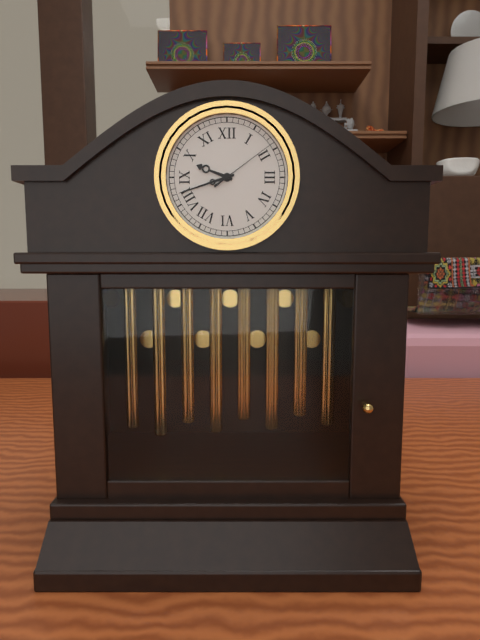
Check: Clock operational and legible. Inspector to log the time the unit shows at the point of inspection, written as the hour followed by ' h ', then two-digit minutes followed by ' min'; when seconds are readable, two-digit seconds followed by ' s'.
9 h 42 min 09 s
